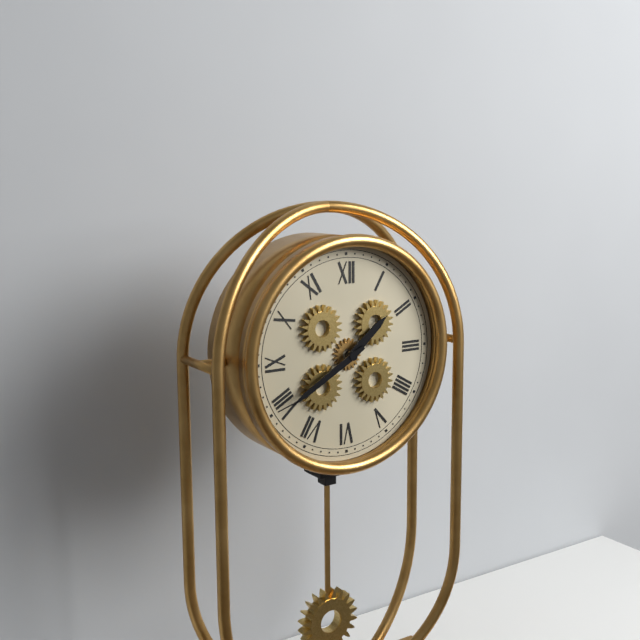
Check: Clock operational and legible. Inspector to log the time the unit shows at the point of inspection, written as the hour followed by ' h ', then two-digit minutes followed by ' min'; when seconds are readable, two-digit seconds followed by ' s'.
1 h 40 min
